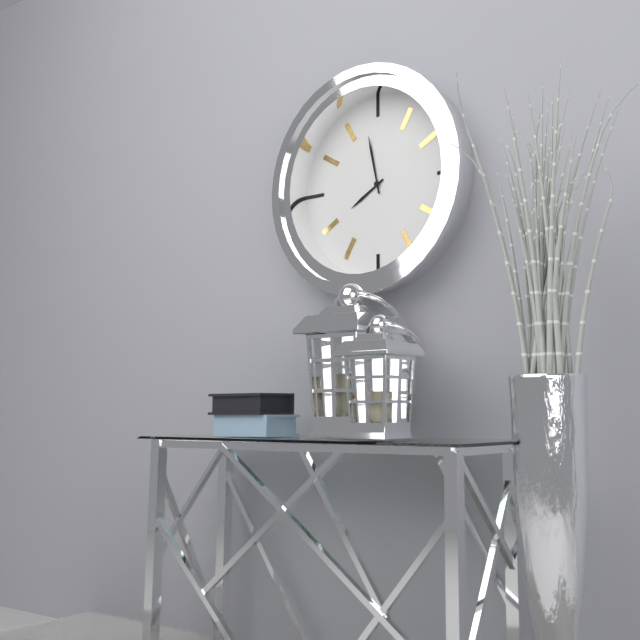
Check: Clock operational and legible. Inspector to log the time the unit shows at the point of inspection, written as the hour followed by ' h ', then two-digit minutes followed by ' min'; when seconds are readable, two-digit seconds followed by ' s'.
7 h 58 min
